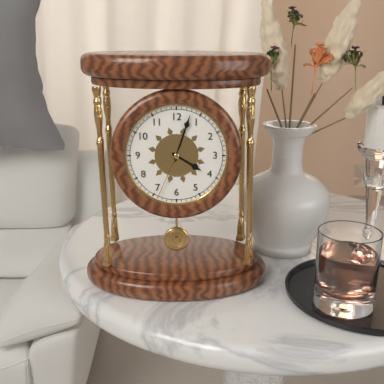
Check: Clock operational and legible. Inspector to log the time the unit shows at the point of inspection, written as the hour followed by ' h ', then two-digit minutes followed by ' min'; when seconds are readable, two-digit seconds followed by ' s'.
4 h 03 min 34 s
